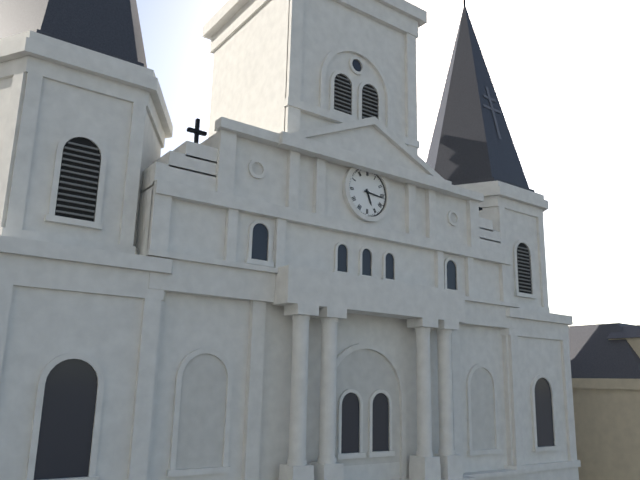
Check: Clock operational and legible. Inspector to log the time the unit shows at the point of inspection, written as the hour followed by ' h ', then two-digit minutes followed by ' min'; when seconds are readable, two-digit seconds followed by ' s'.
5 h 16 min
